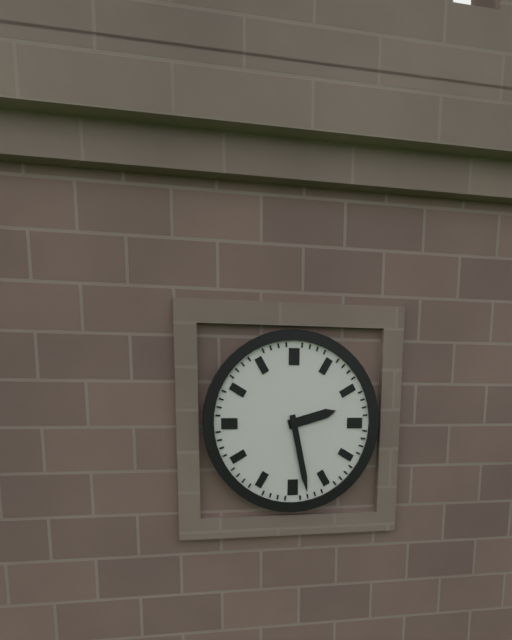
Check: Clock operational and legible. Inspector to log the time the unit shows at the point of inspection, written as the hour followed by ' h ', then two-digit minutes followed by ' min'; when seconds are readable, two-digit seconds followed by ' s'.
2 h 28 min
